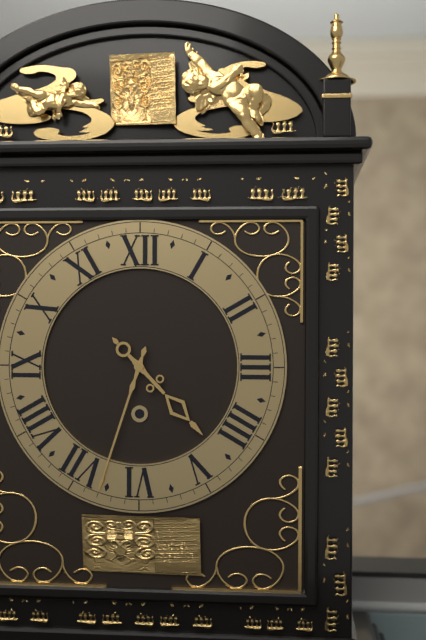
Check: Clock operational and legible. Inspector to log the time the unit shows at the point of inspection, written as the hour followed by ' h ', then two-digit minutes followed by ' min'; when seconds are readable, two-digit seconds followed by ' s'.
4 h 33 min
